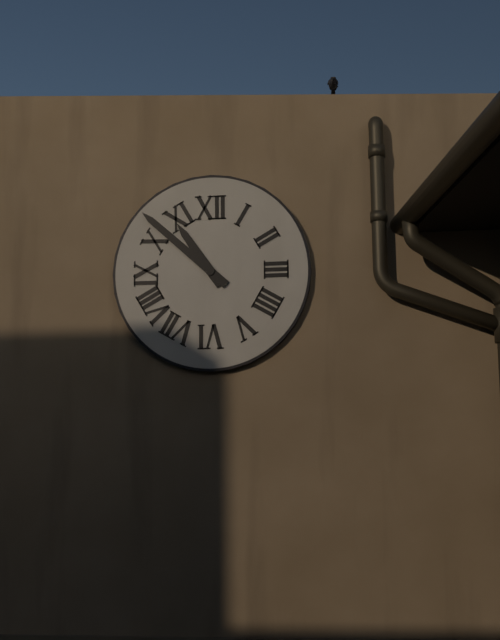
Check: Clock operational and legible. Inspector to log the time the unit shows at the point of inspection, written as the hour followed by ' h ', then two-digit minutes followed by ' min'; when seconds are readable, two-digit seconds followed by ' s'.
10 h 52 min
